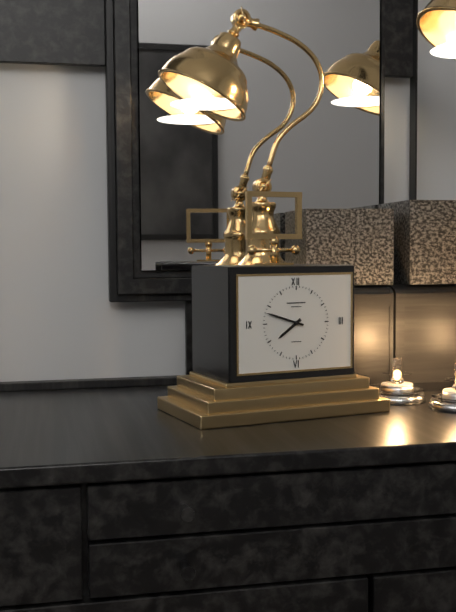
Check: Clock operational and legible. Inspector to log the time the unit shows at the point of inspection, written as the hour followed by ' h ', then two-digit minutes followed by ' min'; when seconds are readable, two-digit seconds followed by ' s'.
7 h 48 min
